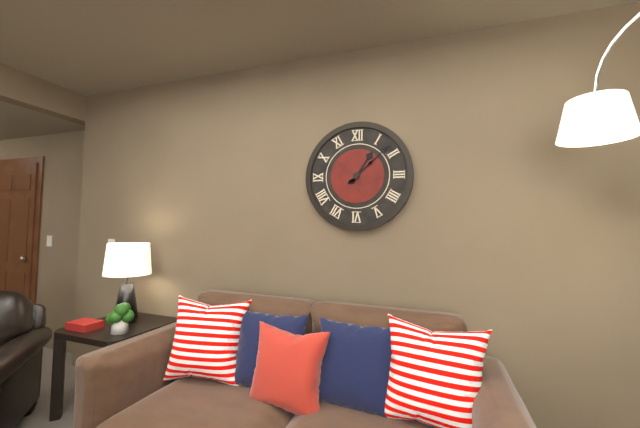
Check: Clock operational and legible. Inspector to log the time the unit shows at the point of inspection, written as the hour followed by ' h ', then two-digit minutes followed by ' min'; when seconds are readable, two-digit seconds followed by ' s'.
1 h 08 min
